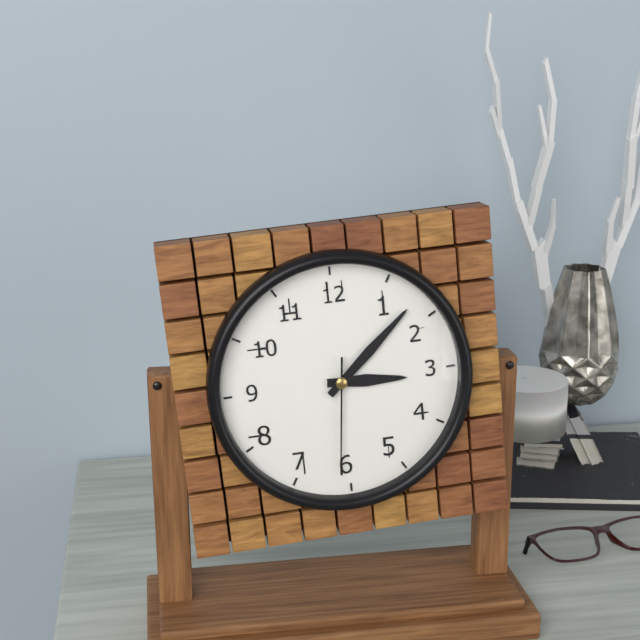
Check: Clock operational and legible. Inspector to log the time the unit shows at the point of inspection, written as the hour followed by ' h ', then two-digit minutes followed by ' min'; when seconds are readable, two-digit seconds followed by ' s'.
3 h 08 min 31 s
